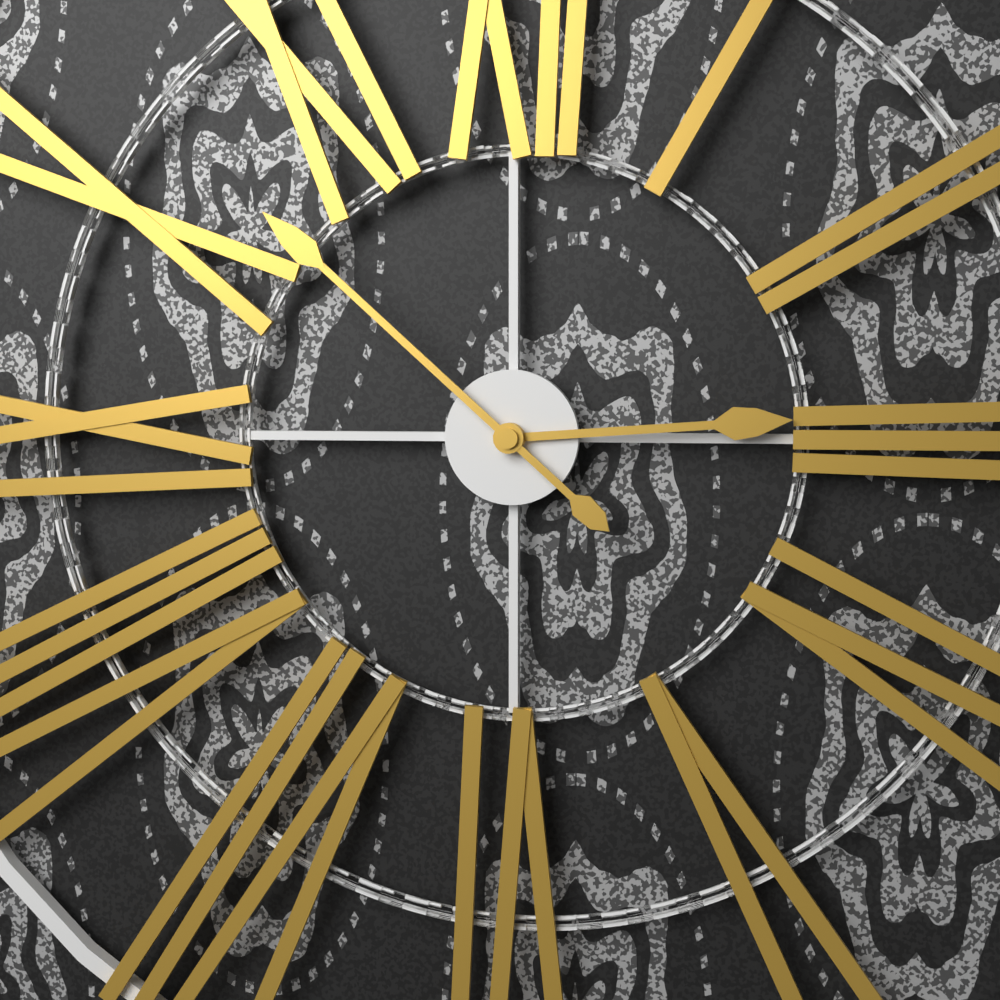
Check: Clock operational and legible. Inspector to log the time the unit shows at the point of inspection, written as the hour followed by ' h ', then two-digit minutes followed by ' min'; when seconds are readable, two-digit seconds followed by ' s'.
2 h 52 min
